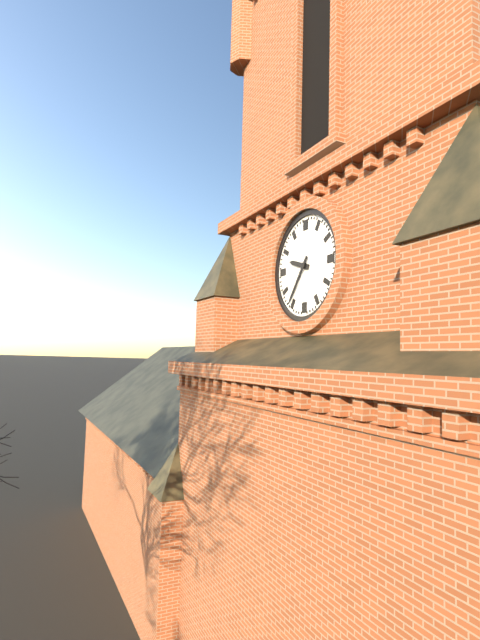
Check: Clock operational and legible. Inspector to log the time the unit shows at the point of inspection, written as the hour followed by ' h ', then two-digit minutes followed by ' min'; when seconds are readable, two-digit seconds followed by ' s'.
9 h 36 min
